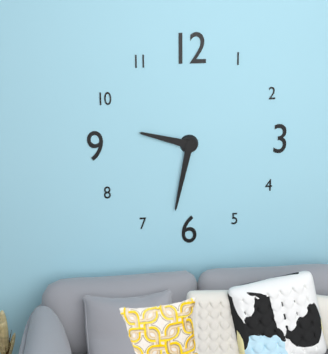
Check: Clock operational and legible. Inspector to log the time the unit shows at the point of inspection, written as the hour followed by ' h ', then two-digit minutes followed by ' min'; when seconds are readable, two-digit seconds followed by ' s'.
9 h 32 min
